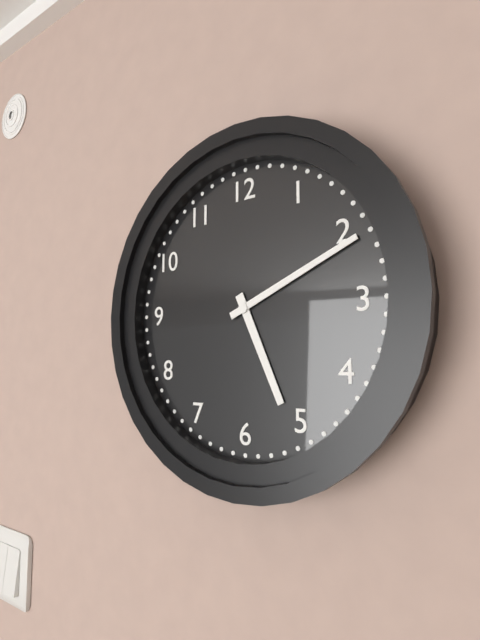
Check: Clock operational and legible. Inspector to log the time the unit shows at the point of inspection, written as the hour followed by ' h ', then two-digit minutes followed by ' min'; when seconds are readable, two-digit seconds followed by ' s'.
5 h 11 min
